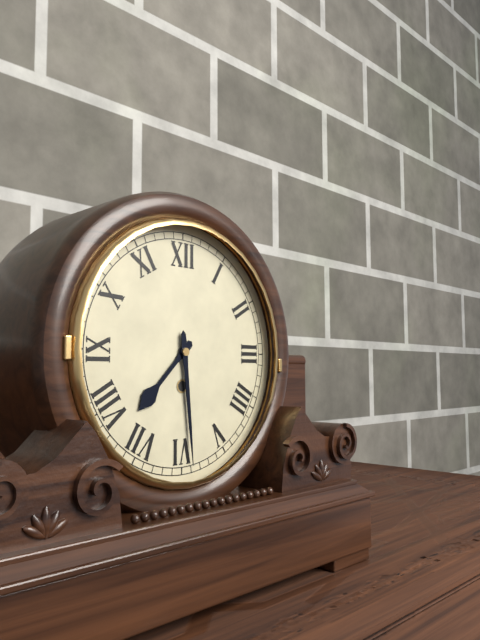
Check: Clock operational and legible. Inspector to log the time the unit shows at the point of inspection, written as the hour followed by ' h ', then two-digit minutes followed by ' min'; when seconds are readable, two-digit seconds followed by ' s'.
7 h 29 min
